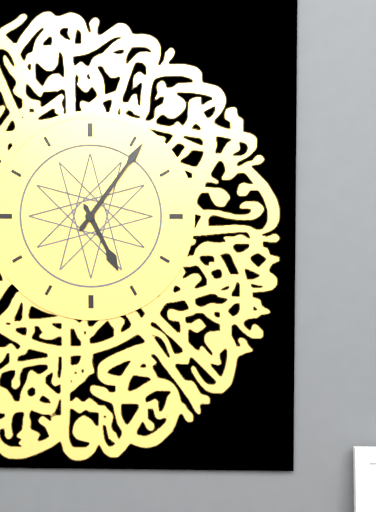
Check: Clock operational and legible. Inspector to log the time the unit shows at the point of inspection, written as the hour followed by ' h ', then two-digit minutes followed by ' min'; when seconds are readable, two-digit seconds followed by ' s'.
5 h 06 min
